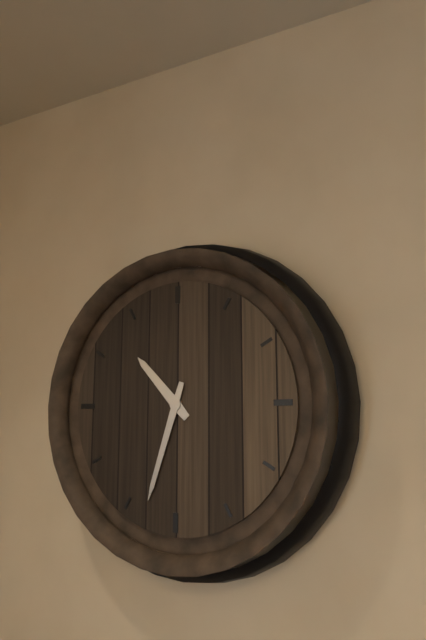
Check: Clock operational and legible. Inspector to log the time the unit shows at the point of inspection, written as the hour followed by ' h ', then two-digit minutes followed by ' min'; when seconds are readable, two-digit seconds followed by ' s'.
10 h 33 min
